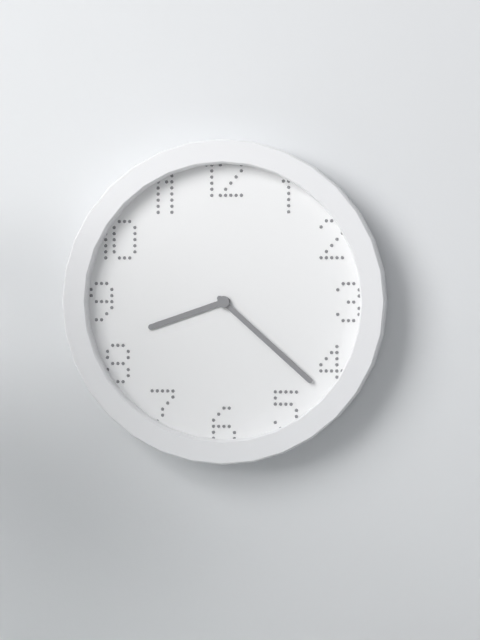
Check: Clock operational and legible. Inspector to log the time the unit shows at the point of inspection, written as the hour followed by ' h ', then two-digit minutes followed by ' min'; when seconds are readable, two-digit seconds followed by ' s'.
8 h 22 min
